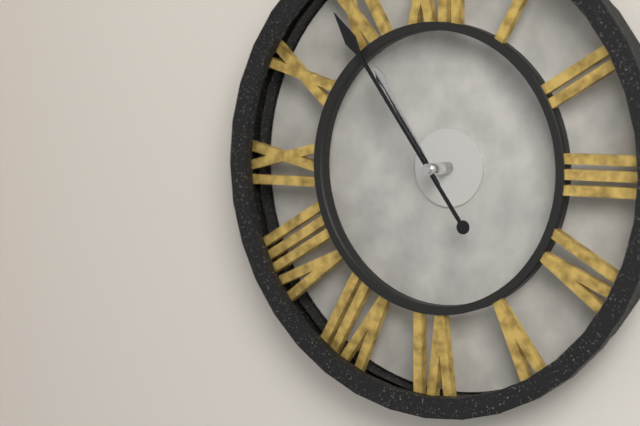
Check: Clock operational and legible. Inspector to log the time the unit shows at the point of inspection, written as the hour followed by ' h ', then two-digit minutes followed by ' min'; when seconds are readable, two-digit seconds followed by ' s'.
10 h 54 min
